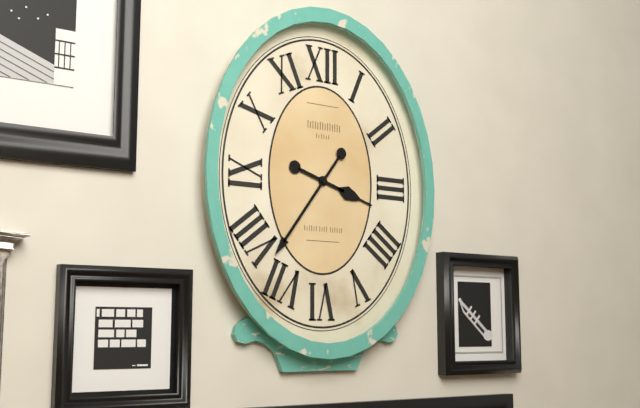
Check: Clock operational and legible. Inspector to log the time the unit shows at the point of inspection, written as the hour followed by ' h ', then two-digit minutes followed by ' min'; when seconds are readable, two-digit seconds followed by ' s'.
3 h 36 min
